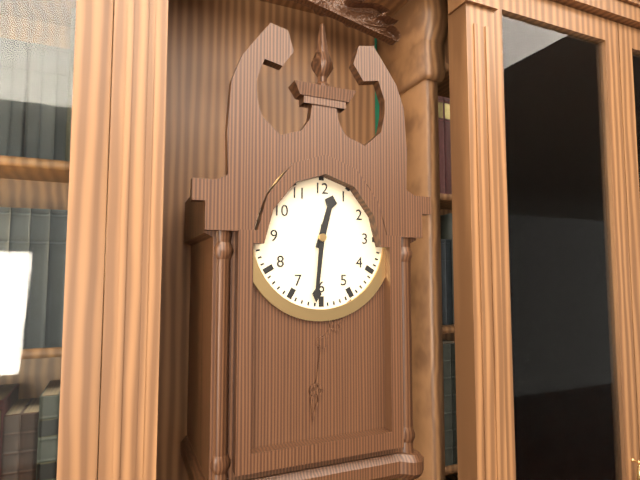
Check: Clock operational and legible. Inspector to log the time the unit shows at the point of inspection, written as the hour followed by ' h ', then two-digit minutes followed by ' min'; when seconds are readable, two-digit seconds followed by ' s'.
12 h 31 min
